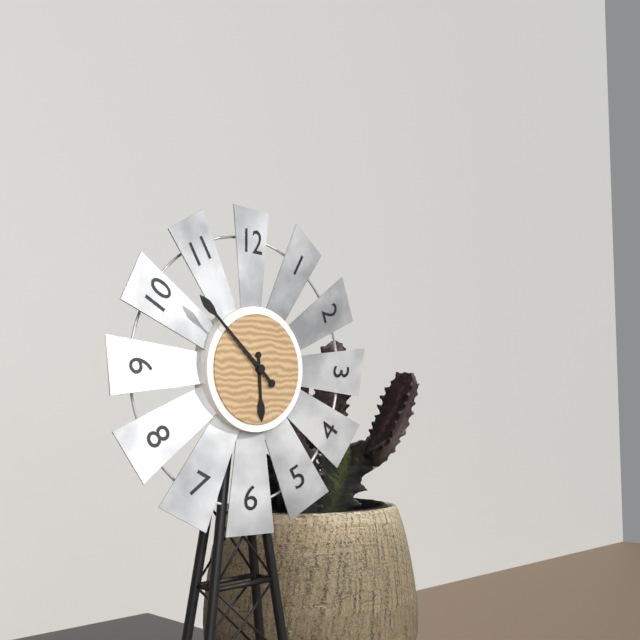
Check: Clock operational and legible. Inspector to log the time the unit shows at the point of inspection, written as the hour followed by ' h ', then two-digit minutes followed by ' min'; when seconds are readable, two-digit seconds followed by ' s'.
5 h 52 min
